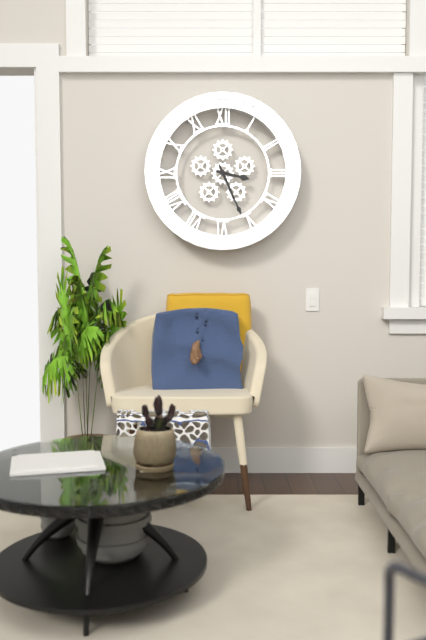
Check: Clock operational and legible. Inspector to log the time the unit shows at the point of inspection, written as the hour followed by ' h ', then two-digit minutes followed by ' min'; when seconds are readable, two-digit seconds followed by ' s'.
3 h 26 min
